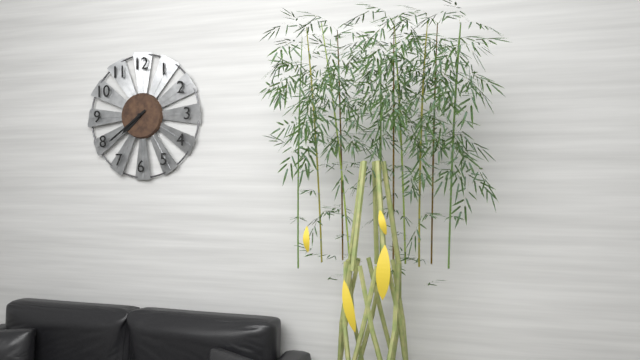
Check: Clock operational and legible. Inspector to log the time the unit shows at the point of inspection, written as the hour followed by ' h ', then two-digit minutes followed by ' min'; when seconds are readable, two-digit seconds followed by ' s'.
7 h 39 min
